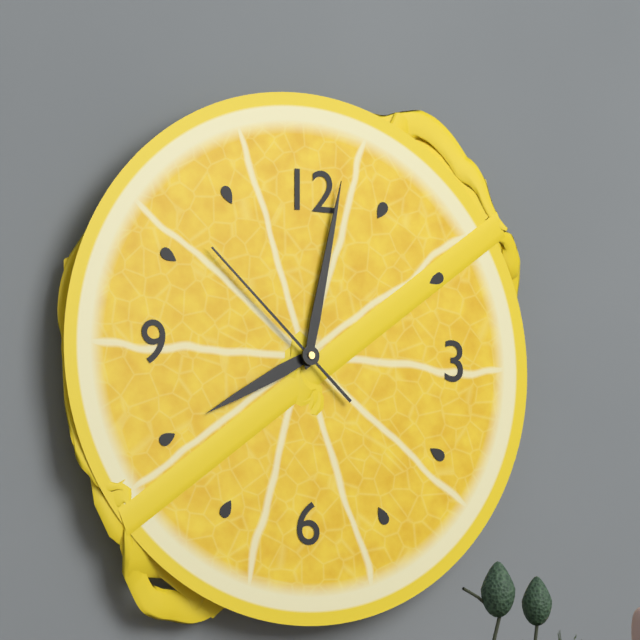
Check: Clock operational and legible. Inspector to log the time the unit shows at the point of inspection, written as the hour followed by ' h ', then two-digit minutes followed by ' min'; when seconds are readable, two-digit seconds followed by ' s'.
8 h 02 min 52 s
